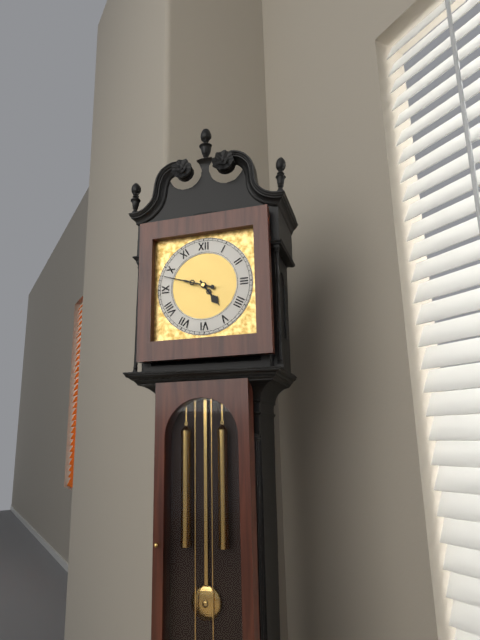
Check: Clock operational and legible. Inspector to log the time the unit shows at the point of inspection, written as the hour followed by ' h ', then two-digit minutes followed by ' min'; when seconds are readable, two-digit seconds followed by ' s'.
4 h 48 min
